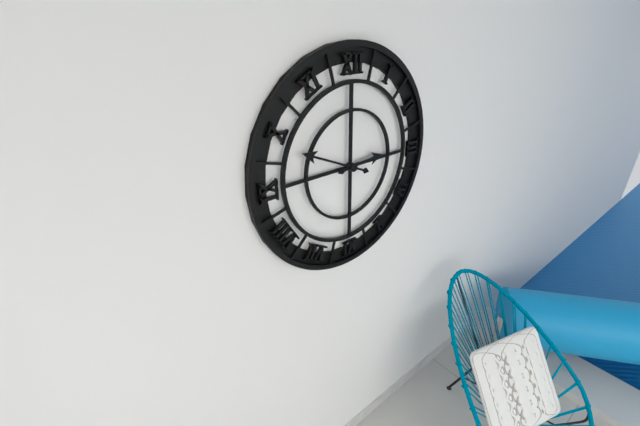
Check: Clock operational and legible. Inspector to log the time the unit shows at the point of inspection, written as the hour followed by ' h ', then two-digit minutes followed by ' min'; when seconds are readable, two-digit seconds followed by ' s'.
2 h 49 min
